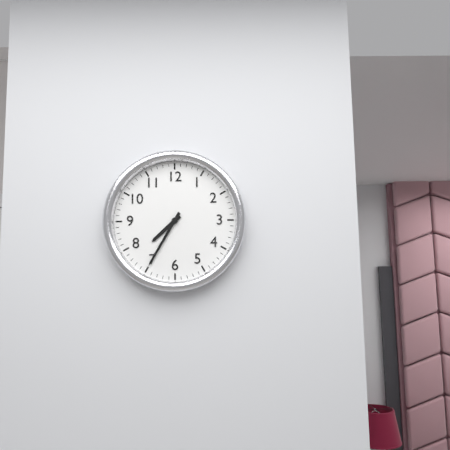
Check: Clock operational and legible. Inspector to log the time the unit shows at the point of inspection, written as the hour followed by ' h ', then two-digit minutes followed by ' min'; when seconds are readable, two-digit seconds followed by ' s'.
7 h 35 min
